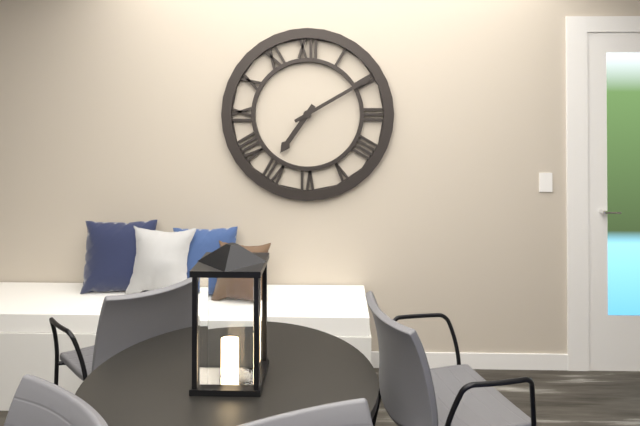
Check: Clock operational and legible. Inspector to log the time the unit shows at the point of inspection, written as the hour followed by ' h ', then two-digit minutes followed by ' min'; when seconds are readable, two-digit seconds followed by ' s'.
7 h 10 min
